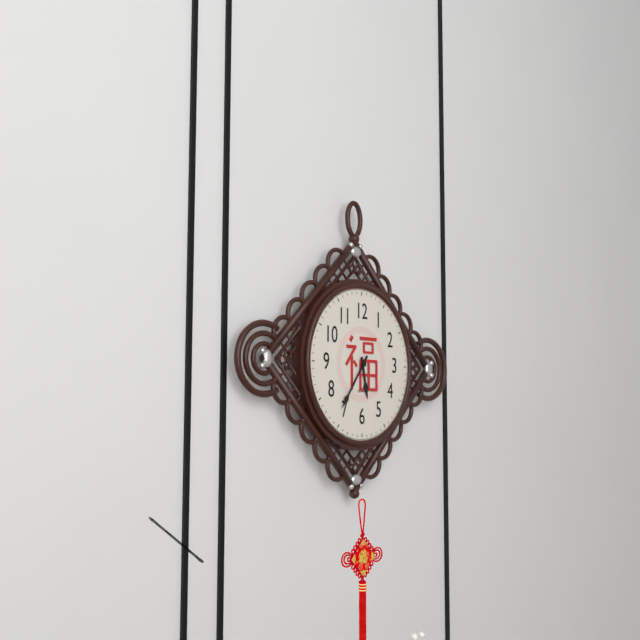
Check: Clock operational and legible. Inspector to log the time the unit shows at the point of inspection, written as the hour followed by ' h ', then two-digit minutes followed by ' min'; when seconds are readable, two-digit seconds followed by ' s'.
5 h 36 min
